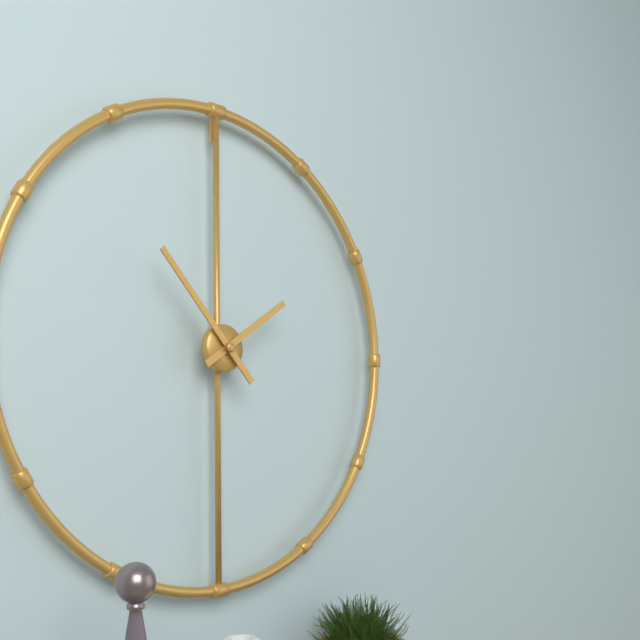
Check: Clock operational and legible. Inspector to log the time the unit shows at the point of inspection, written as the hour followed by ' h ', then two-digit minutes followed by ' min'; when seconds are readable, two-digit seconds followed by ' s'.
1 h 53 min
